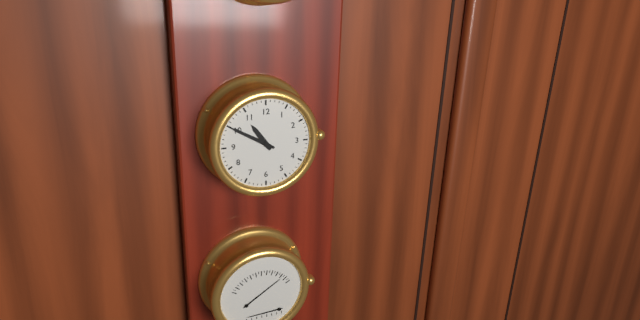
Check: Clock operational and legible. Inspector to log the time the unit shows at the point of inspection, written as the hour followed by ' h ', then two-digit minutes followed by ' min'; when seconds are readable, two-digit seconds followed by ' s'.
10 h 50 min
